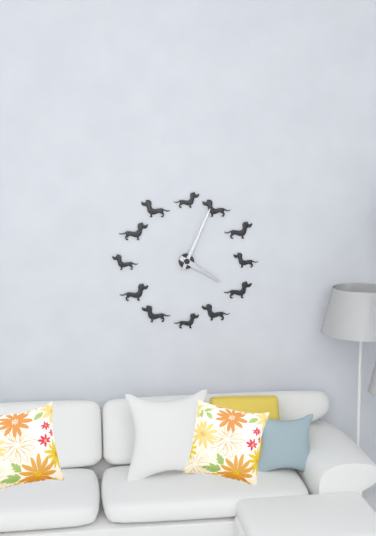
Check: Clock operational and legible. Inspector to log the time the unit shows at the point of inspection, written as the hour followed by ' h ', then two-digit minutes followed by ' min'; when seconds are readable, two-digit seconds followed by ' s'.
4 h 04 min
